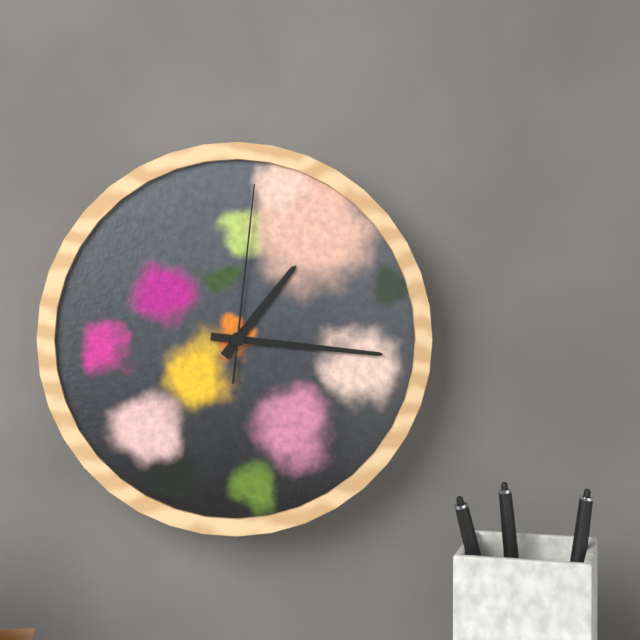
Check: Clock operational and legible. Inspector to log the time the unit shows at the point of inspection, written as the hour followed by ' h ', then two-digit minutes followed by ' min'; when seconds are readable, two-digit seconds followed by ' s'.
1 h 16 min 01 s
